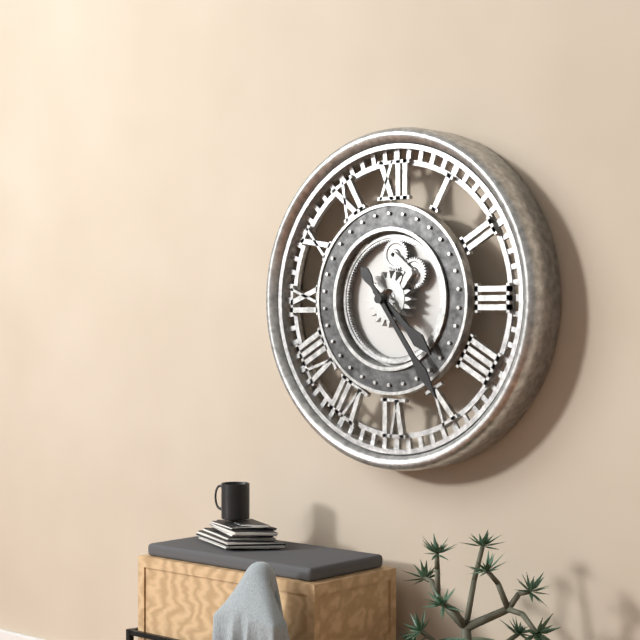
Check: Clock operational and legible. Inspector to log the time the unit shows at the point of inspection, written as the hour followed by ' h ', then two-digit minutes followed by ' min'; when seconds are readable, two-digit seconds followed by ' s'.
4 h 24 min
